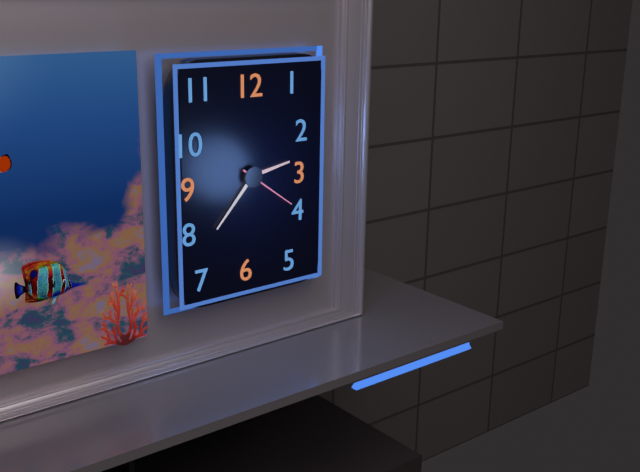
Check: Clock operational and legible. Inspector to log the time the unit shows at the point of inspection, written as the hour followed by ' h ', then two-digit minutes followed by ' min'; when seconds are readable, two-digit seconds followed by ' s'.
2 h 37 min 21 s
